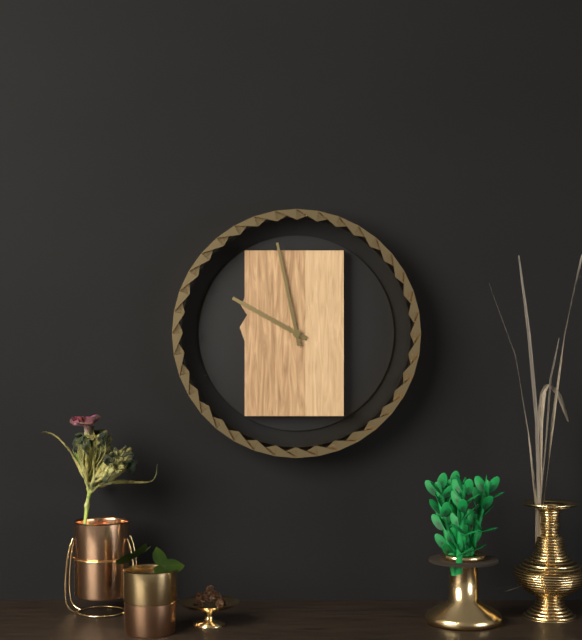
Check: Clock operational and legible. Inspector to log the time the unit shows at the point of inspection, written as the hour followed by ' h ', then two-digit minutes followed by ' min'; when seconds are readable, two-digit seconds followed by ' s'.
9 h 58 min
